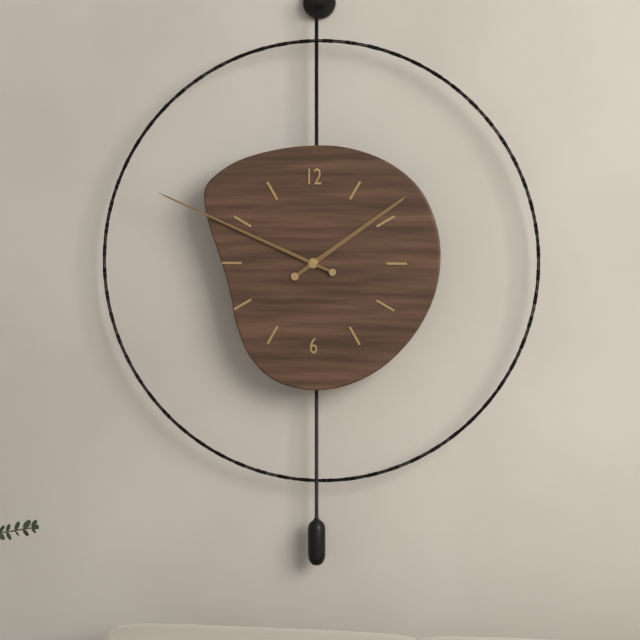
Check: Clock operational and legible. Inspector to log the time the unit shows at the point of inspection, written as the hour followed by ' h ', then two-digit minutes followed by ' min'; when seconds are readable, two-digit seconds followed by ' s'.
1 h 49 min
